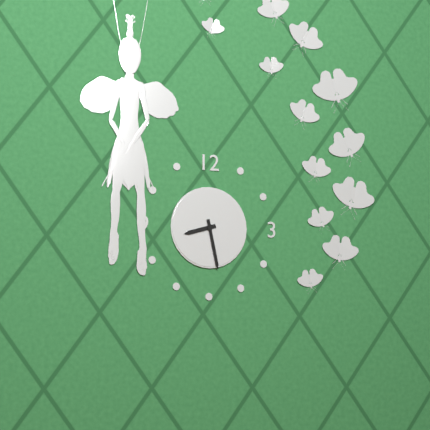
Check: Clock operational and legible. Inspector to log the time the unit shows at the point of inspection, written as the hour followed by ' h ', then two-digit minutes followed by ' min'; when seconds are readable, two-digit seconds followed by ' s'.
8 h 28 min
